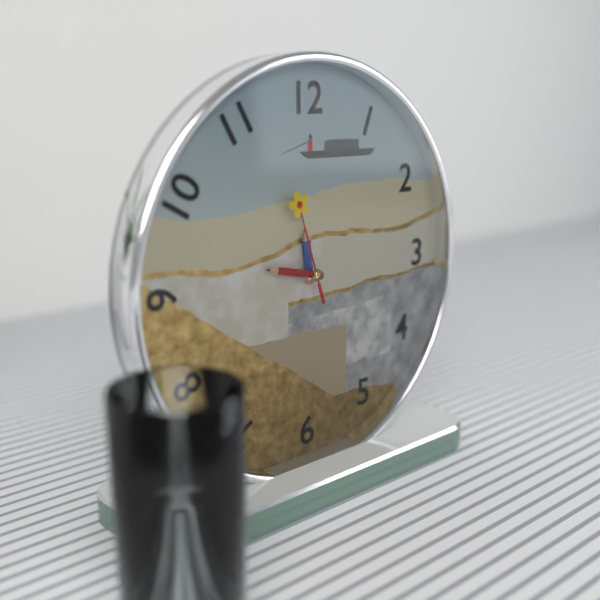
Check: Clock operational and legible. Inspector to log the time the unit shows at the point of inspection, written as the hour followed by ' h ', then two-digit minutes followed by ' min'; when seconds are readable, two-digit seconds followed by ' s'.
11 h 47 min 57 s
